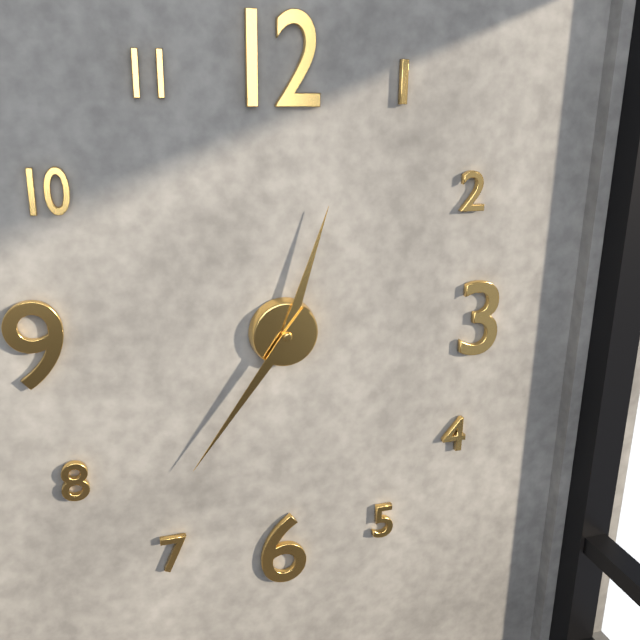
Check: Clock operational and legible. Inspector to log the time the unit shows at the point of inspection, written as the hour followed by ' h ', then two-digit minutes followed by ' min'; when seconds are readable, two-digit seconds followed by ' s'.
12 h 36 min
